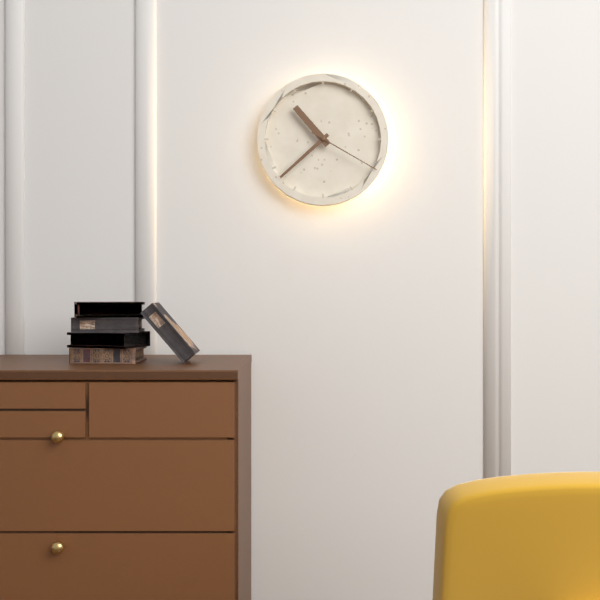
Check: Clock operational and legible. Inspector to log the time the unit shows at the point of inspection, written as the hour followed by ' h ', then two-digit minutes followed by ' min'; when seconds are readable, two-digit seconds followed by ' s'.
10 h 38 min 20 s
